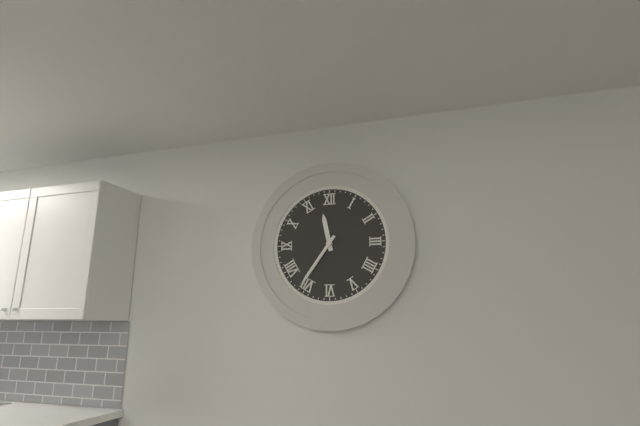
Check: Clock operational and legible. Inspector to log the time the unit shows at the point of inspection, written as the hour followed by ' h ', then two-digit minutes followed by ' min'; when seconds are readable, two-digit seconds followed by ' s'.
11 h 36 min
